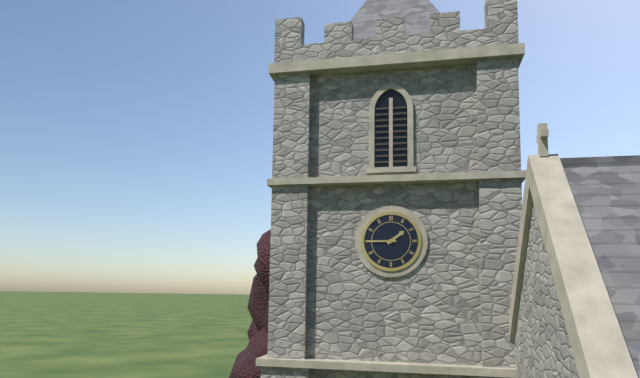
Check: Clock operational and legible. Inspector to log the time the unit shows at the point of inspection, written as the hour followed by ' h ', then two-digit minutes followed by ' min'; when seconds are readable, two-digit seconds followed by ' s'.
1 h 45 min
